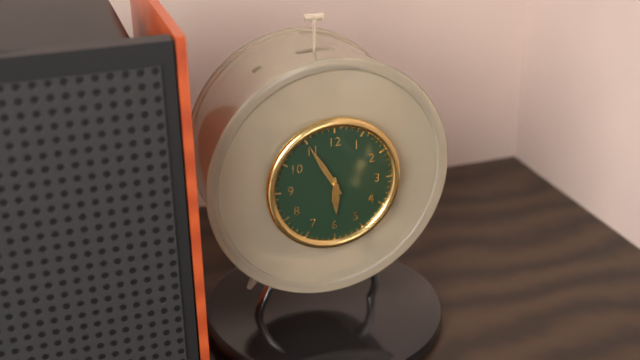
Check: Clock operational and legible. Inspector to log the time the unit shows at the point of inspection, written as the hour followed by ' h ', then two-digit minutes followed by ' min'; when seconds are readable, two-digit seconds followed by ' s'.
5 h 55 min
